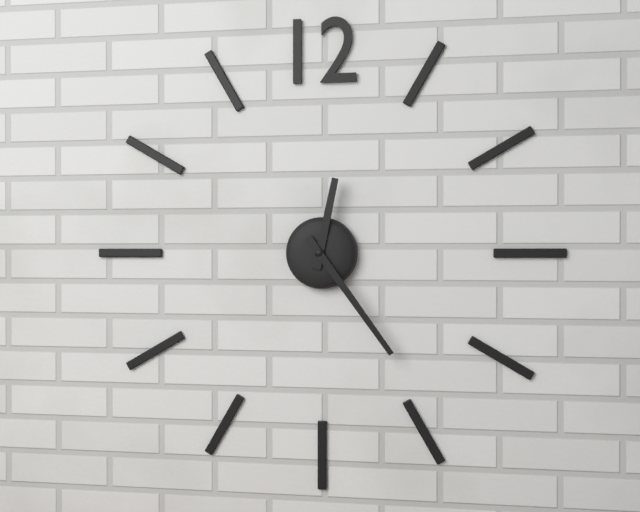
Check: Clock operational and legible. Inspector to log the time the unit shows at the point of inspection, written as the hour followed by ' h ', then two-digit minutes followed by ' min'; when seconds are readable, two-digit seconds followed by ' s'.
12 h 24 min
